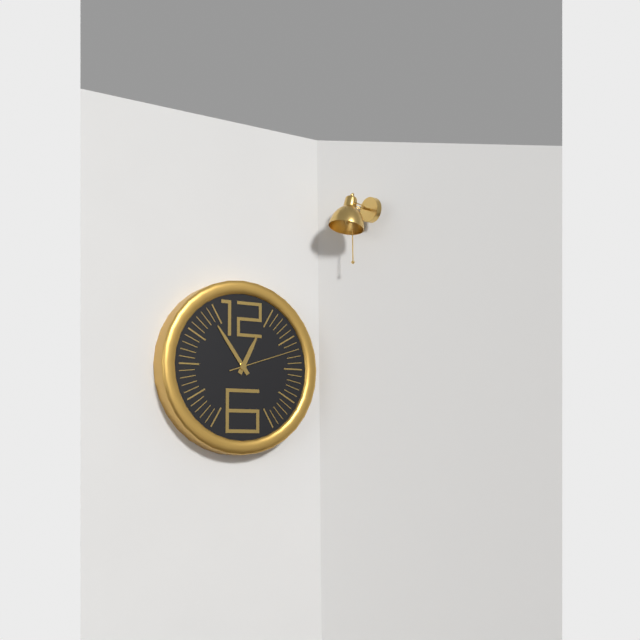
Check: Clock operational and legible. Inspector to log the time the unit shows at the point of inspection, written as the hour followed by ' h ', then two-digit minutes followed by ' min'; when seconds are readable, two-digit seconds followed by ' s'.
12 h 54 min 12 s
